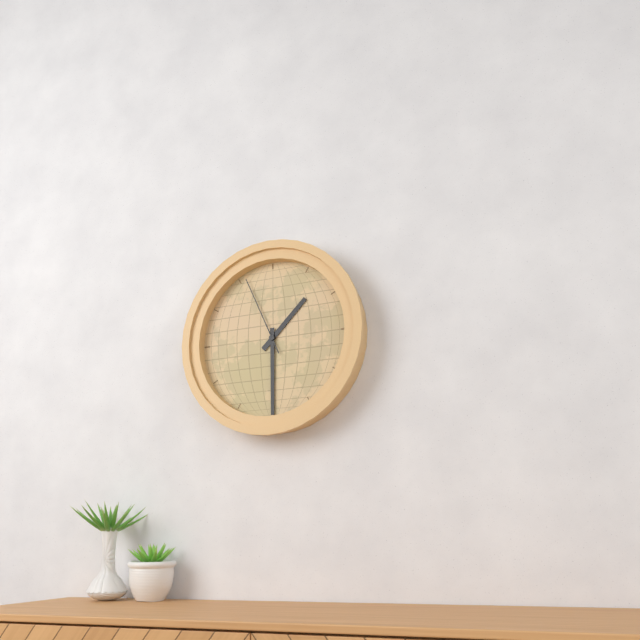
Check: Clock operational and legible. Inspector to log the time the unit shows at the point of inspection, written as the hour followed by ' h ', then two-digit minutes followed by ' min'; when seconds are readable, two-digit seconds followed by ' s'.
1 h 30 min 56 s
